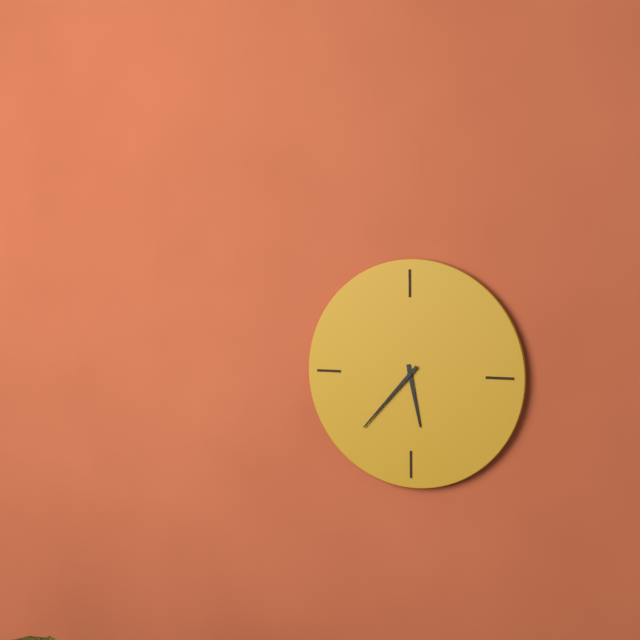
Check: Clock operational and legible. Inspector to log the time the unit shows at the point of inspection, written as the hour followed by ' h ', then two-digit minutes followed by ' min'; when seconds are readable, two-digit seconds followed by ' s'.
5 h 37 min
